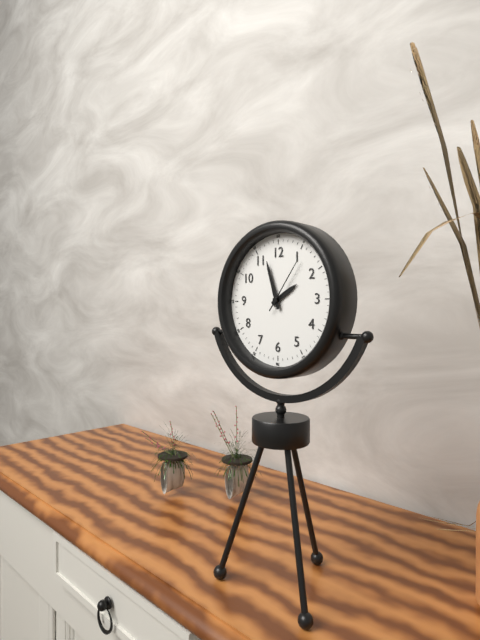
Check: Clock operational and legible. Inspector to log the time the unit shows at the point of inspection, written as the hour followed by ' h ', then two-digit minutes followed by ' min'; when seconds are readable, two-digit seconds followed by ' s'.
1 h 57 min 06 s
